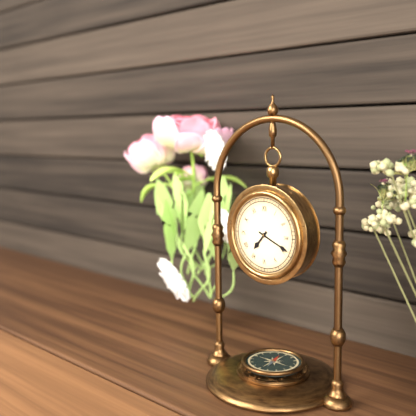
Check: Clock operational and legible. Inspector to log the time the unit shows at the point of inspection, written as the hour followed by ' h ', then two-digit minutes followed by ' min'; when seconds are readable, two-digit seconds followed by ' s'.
7 h 19 min
